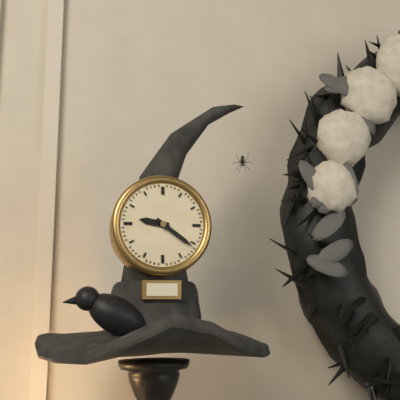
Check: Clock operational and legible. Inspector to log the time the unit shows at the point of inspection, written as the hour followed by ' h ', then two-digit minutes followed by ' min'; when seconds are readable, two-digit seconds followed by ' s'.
9 h 21 min
